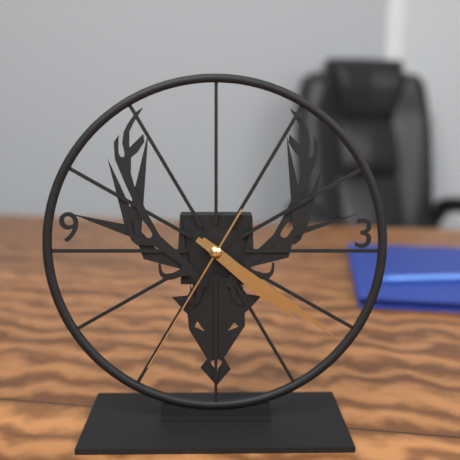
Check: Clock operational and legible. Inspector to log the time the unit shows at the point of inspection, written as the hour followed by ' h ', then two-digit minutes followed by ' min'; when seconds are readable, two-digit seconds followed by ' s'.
4 h 21 min 35 s
